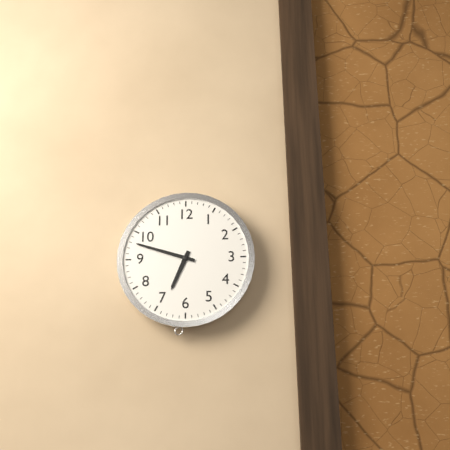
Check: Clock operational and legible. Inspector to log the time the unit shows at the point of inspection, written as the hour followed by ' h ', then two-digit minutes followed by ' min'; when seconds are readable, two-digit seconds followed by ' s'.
6 h 48 min
